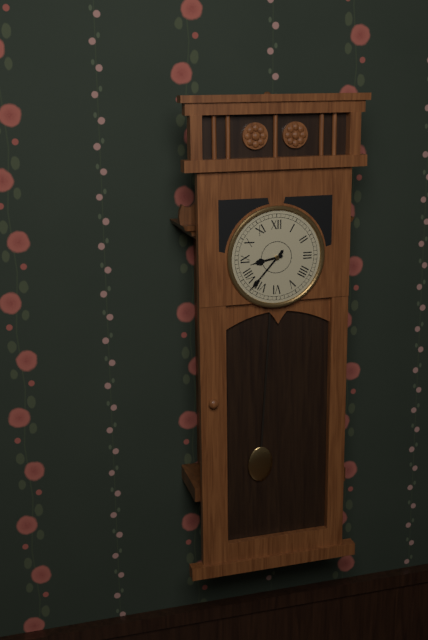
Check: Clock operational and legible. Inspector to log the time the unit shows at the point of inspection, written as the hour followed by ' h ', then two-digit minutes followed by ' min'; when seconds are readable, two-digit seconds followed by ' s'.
8 h 37 min
